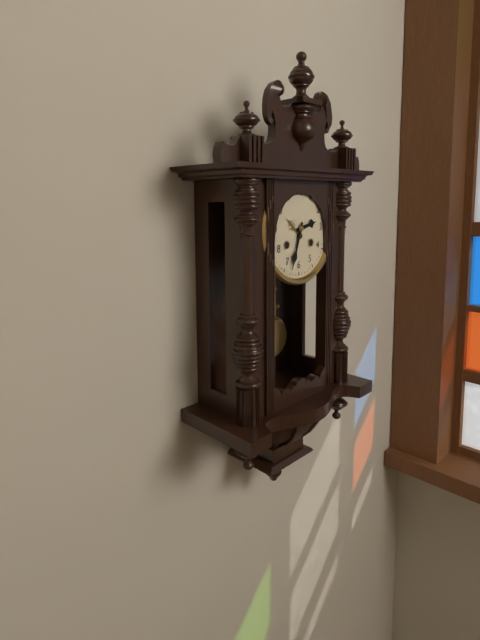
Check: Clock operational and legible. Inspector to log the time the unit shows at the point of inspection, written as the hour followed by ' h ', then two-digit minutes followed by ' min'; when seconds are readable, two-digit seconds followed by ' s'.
2 h 33 min
